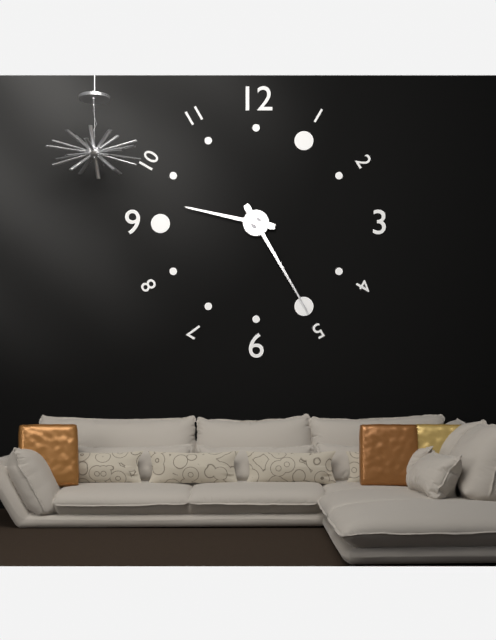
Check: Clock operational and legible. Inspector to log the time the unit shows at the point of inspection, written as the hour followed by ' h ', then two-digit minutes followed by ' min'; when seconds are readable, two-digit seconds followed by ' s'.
9 h 25 min
